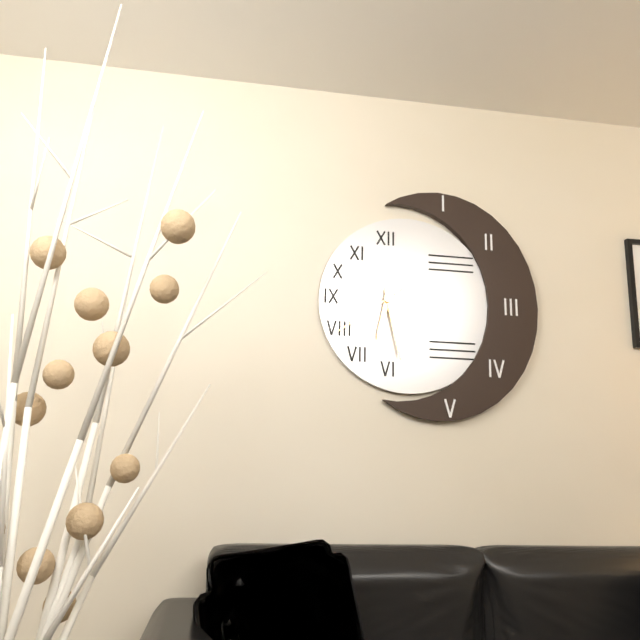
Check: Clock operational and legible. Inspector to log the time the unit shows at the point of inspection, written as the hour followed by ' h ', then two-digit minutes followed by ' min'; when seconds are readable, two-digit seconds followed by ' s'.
6 h 28 min 39 s
